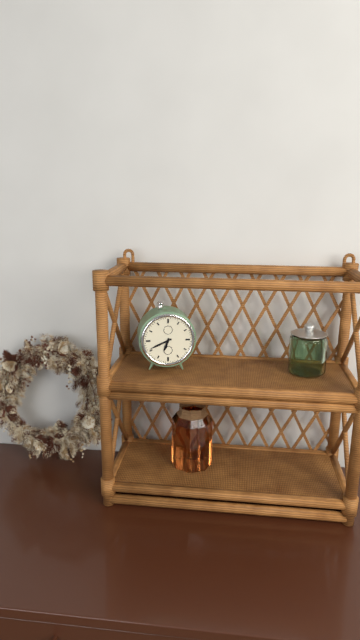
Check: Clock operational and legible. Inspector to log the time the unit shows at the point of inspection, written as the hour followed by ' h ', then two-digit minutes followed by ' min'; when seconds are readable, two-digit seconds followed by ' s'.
6 h 41 min
